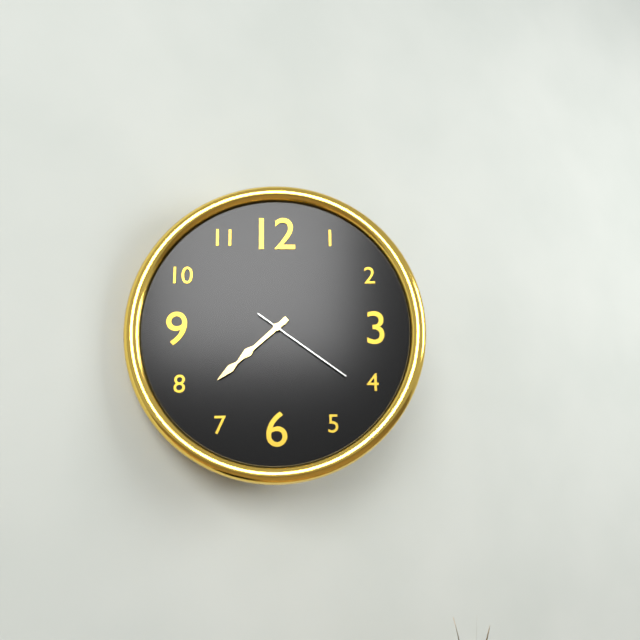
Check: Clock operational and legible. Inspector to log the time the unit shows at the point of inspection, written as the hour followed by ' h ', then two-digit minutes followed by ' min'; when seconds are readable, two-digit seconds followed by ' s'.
7 h 38 min 21 s
